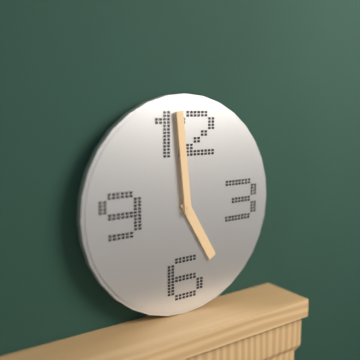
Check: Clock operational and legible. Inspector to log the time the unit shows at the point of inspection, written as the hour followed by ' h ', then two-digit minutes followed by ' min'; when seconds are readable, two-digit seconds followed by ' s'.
4 h 59 min
